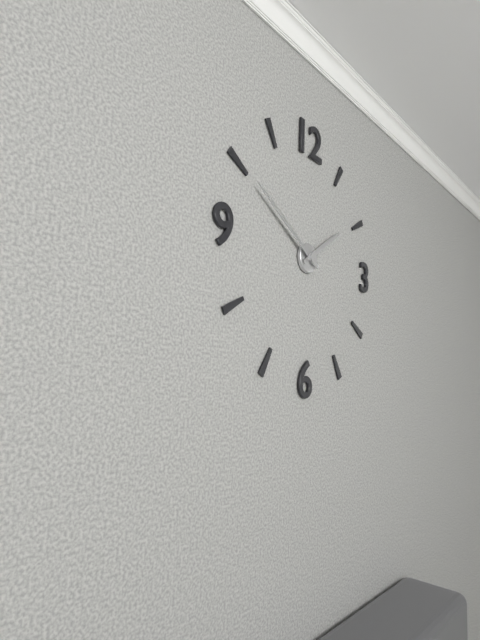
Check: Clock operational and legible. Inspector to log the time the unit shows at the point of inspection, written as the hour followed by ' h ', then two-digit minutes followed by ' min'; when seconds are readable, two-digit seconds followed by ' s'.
1 h 50 min
